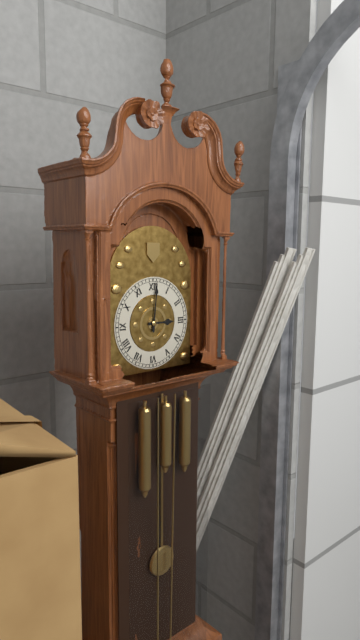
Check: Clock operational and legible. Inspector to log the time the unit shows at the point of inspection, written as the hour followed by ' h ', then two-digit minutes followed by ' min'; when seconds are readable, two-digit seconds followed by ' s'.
3 h 01 min
